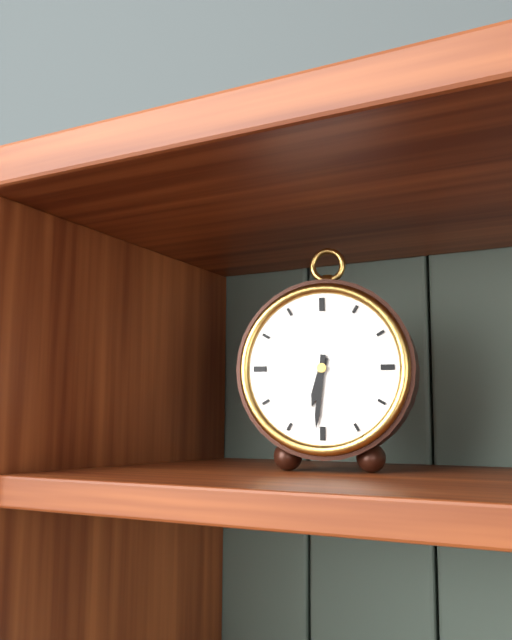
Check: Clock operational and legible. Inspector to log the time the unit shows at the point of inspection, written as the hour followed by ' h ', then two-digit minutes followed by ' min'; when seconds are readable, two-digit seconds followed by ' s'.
6 h 31 min
